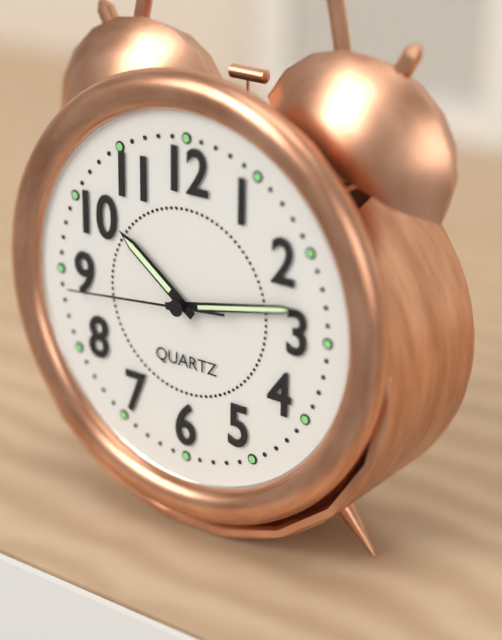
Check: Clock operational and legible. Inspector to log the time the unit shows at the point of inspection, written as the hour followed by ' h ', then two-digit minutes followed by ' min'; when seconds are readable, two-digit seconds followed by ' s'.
10 h 13 min 44 s
